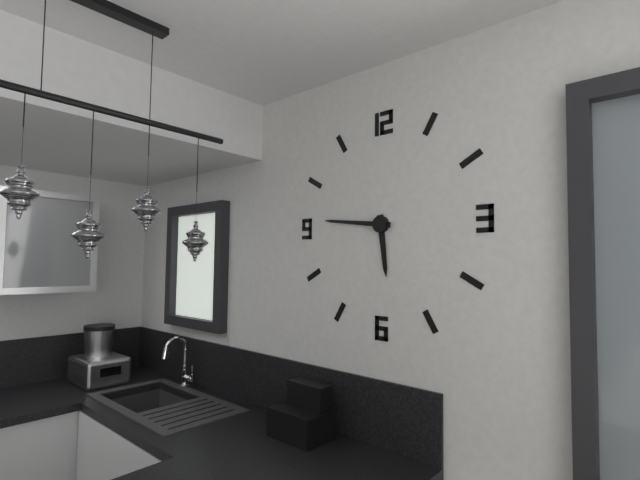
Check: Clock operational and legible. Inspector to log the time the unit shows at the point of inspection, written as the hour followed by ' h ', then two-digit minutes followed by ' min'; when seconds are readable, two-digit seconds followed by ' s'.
5 h 46 min
